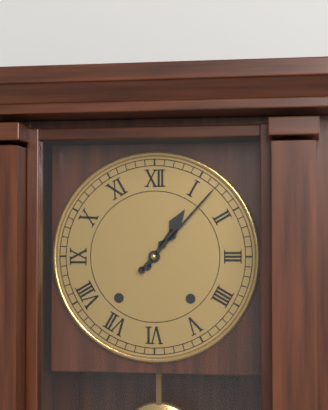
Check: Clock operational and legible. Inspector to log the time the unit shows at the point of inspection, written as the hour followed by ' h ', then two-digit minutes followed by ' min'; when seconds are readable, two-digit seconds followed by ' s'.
1 h 07 min
